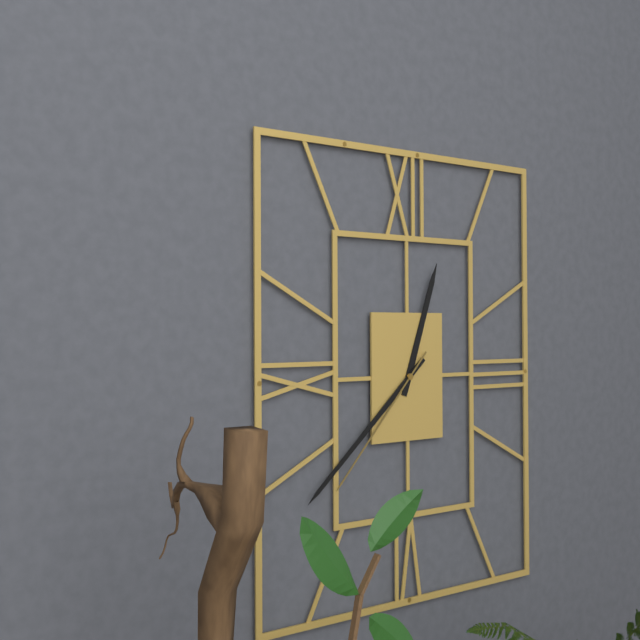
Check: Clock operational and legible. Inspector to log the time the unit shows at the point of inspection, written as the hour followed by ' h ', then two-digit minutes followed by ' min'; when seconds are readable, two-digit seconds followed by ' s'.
12 h 38 min 37 s
